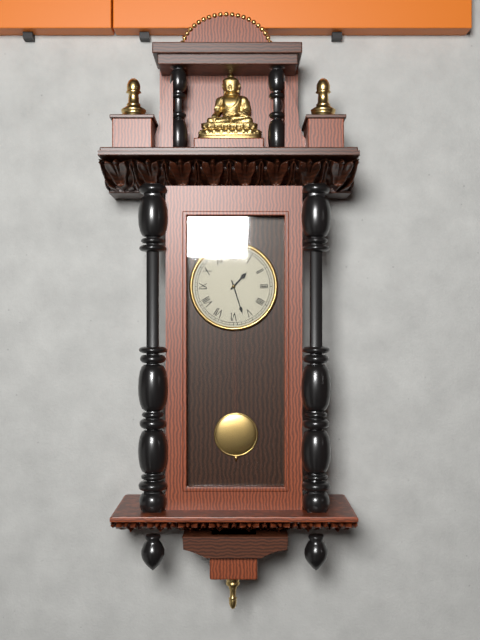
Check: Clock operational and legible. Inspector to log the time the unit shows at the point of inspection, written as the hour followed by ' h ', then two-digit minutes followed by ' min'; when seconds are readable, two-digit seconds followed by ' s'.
1 h 27 min
